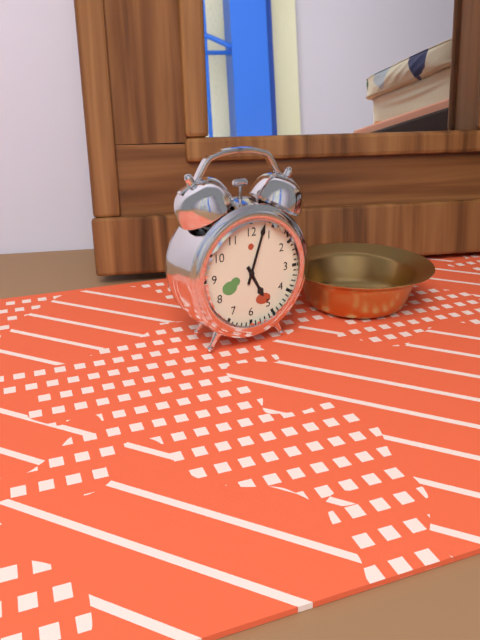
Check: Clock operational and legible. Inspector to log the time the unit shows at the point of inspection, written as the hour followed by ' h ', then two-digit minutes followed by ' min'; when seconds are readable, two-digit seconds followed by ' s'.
5 h 03 min
